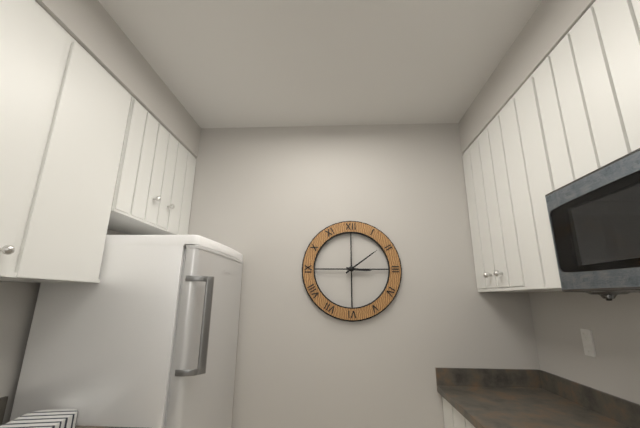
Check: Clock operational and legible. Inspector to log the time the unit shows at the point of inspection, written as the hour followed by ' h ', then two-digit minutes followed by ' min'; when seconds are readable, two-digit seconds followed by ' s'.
3 h 09 min
